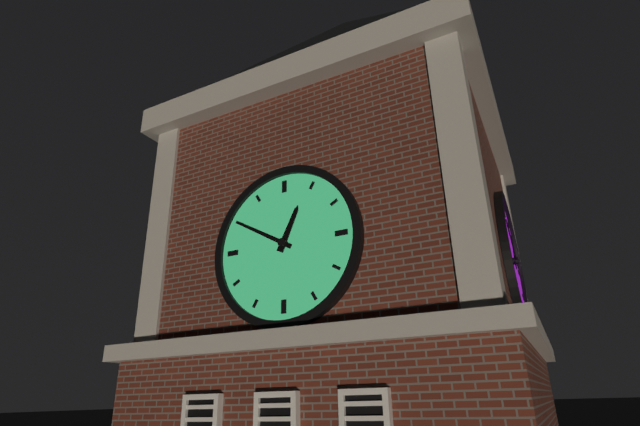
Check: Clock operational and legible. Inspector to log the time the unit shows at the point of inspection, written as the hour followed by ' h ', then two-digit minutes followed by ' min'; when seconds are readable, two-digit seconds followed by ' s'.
12 h 50 min
